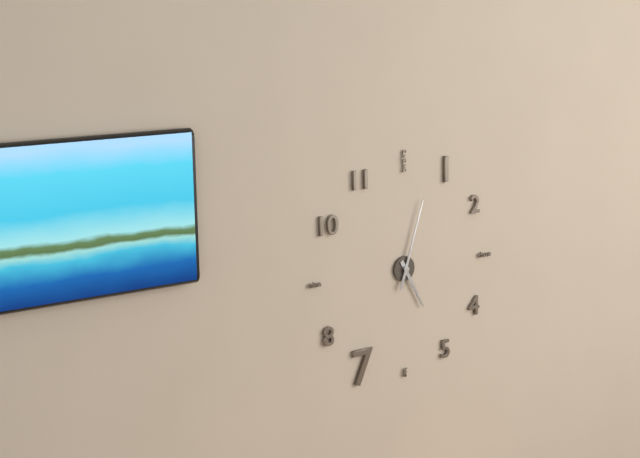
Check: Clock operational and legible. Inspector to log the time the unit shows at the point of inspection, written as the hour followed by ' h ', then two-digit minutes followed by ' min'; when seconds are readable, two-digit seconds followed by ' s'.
5 h 03 min
